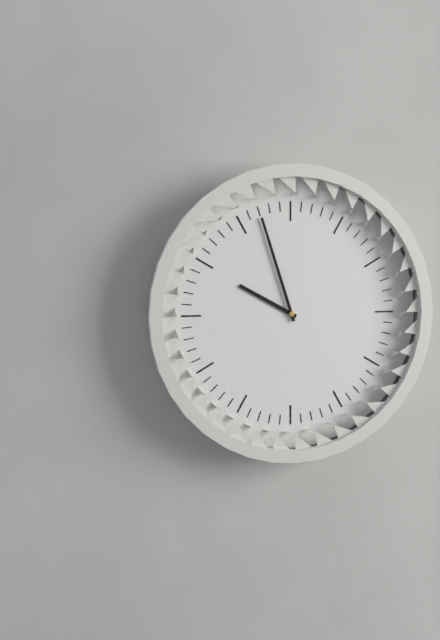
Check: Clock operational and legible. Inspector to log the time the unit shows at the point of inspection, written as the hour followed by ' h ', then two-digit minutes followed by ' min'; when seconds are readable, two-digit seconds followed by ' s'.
9 h 57 min
